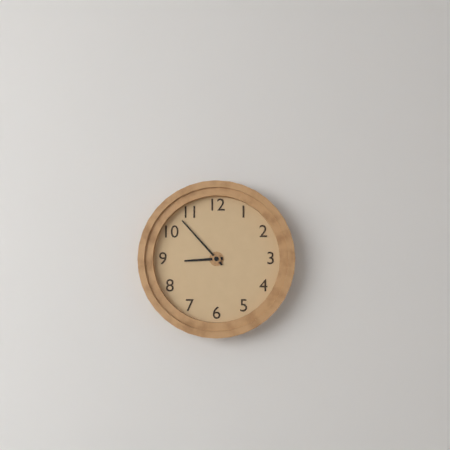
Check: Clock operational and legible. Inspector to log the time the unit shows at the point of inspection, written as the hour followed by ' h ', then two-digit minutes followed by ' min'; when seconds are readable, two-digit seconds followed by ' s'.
8 h 53 min
